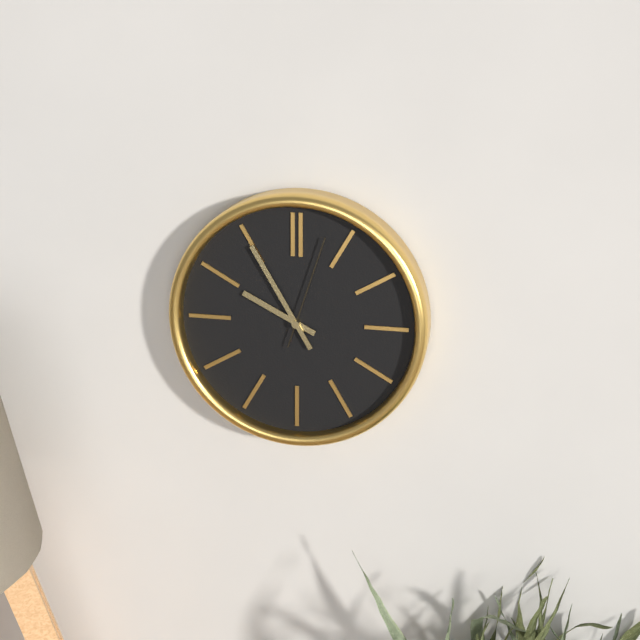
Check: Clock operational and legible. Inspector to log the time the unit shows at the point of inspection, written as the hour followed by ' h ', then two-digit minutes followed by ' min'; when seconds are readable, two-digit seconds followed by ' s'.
9 h 55 min 03 s
